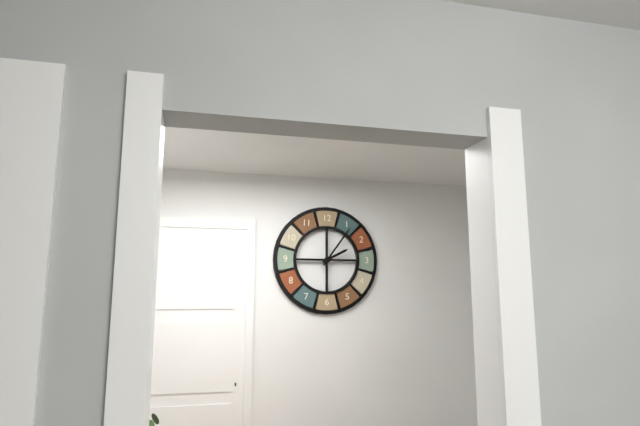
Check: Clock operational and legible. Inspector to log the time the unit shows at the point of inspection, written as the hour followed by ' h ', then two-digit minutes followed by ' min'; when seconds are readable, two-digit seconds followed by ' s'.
2 h 06 min
